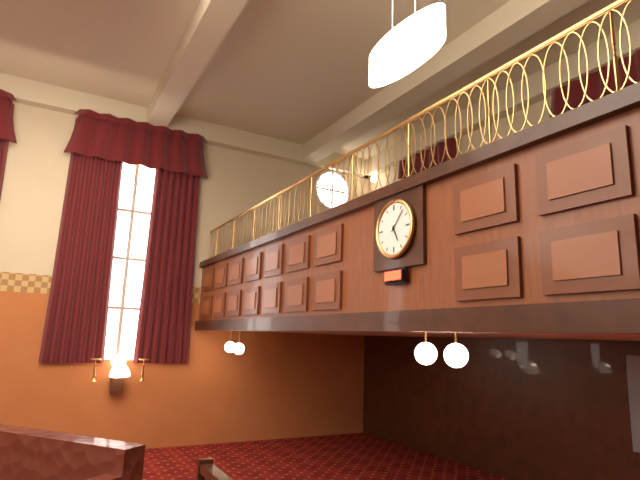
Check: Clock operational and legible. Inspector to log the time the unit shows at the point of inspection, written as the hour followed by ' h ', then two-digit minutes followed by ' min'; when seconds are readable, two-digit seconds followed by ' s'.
5 h 07 min
